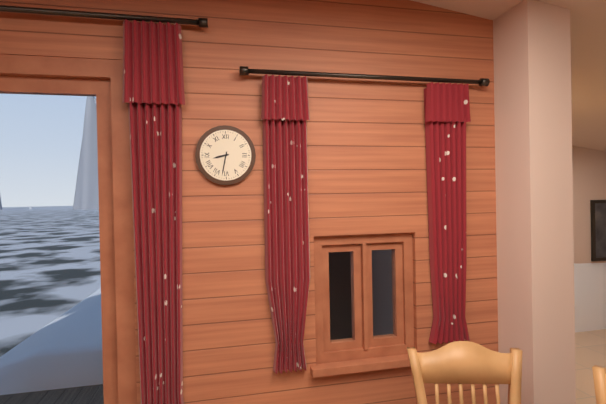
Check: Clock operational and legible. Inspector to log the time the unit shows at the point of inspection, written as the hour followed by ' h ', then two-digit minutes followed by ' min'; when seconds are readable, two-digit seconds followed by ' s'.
8 h 32 min
